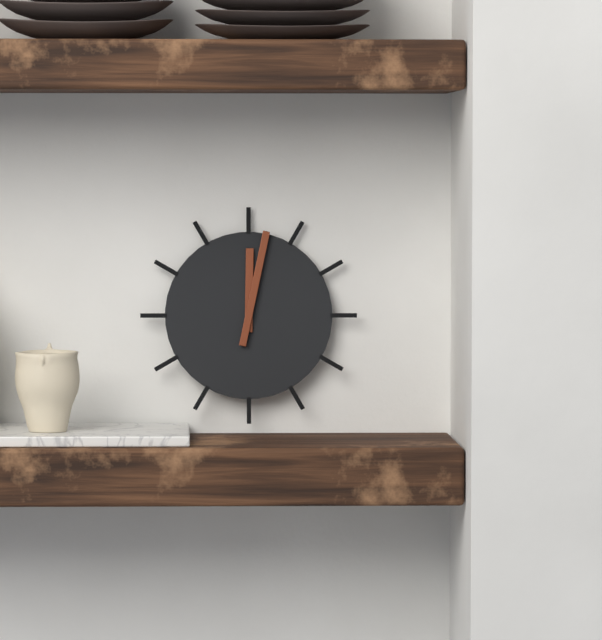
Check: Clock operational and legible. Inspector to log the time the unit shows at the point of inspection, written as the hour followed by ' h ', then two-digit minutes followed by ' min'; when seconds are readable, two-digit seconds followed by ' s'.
12 h 02 min
